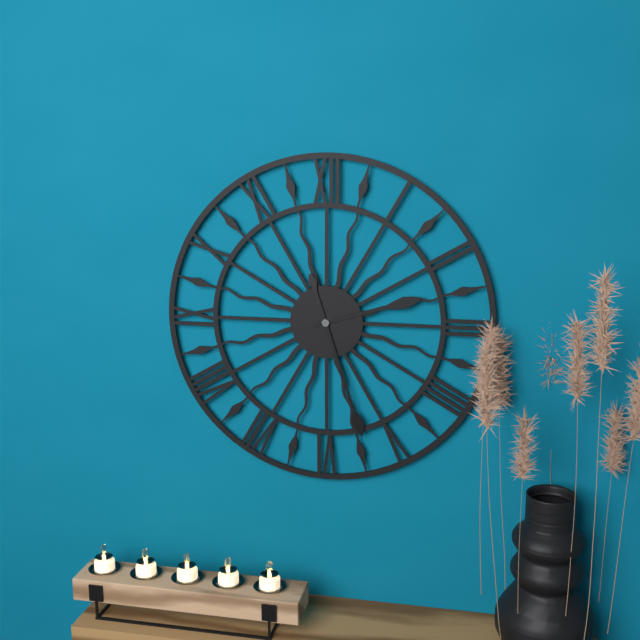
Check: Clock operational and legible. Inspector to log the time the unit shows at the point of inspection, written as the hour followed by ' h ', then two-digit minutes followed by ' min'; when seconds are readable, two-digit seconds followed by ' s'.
2 h 27 min
